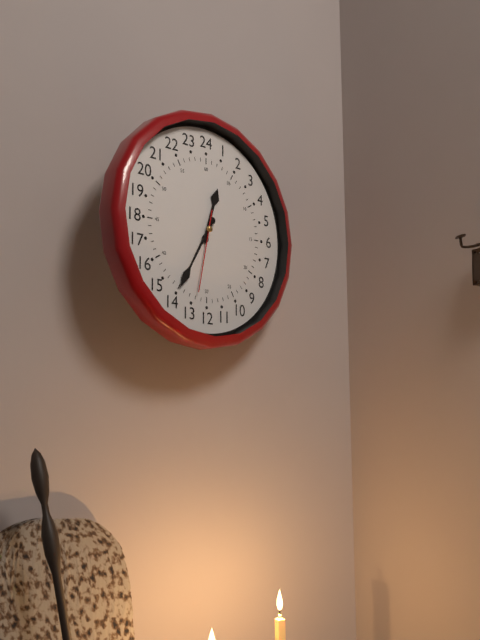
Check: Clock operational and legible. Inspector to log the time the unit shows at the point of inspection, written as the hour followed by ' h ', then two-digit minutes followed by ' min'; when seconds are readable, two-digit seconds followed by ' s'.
12 h 35 min 32 s
